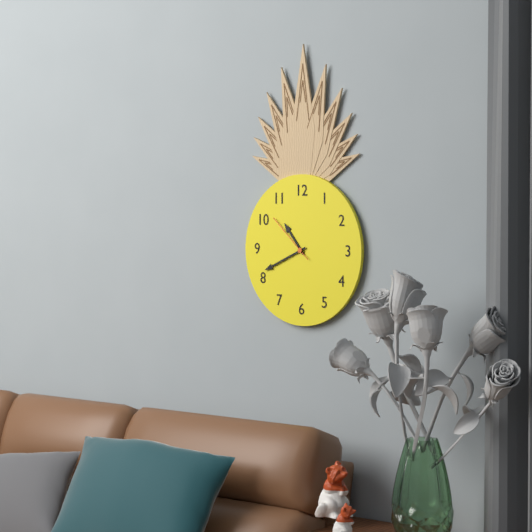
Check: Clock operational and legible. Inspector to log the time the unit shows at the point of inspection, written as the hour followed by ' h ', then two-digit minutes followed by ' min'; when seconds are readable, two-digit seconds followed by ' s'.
10 h 41 min 52 s
